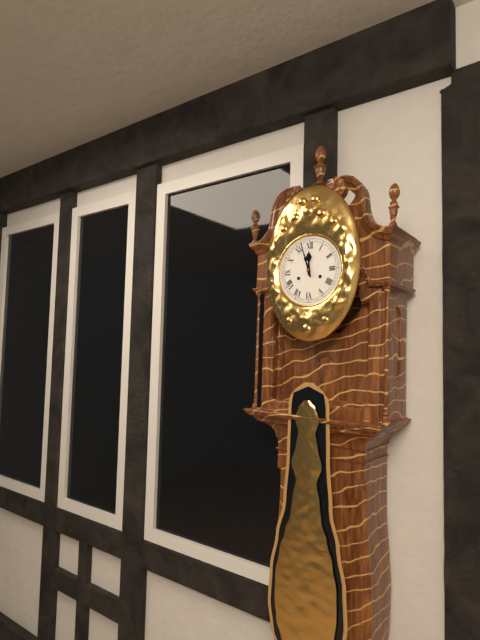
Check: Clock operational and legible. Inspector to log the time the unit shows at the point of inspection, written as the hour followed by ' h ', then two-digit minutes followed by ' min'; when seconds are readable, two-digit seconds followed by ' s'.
11 h 57 min
